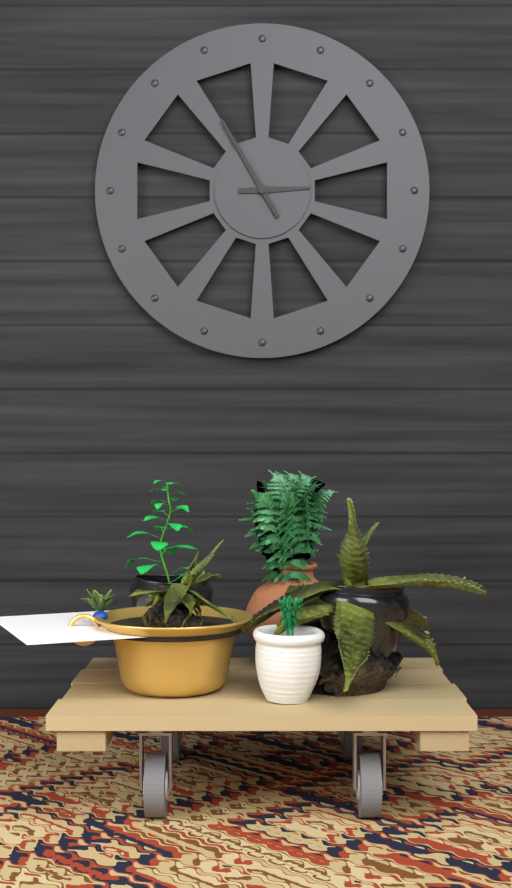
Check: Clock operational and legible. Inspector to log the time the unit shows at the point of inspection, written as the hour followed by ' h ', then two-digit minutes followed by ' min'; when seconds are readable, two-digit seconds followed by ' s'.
2 h 55 min
